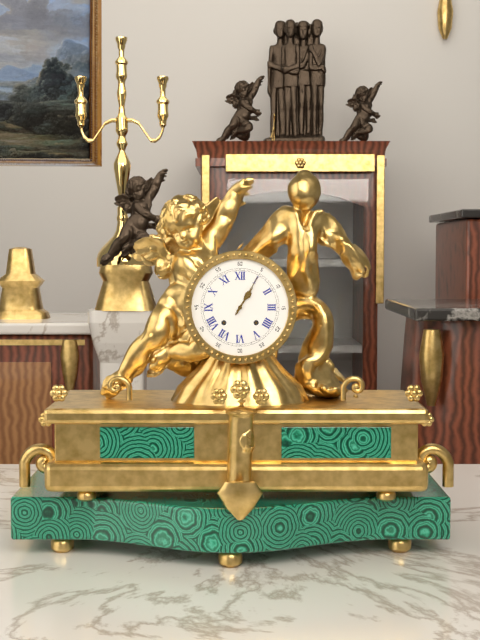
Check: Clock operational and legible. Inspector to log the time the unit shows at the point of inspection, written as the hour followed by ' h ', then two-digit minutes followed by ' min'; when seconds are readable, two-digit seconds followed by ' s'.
1 h 05 min
